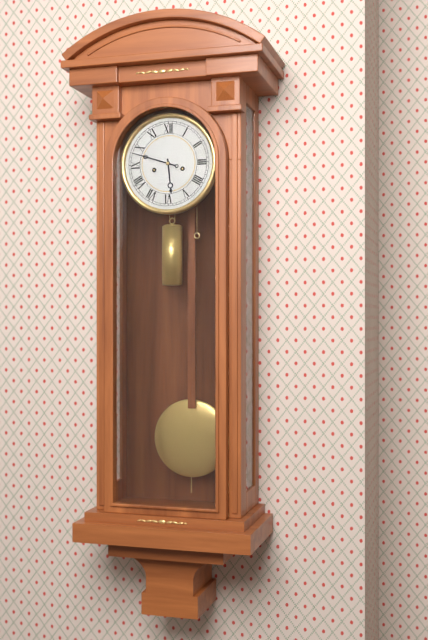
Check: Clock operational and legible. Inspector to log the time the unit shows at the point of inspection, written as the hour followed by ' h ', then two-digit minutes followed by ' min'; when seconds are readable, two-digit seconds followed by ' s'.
5 h 48 min
